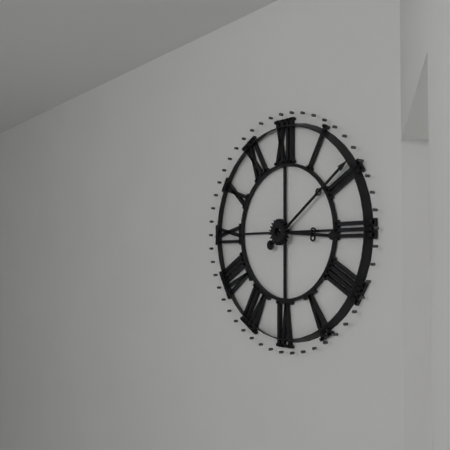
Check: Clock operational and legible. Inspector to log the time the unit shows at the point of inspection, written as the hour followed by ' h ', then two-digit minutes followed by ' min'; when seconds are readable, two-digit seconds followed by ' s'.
3 h 09 min
